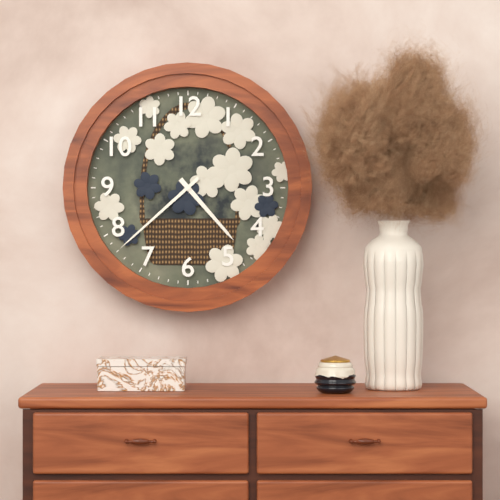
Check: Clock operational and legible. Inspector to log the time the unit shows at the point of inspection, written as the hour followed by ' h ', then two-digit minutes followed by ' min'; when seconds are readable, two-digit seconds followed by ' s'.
4 h 38 min
